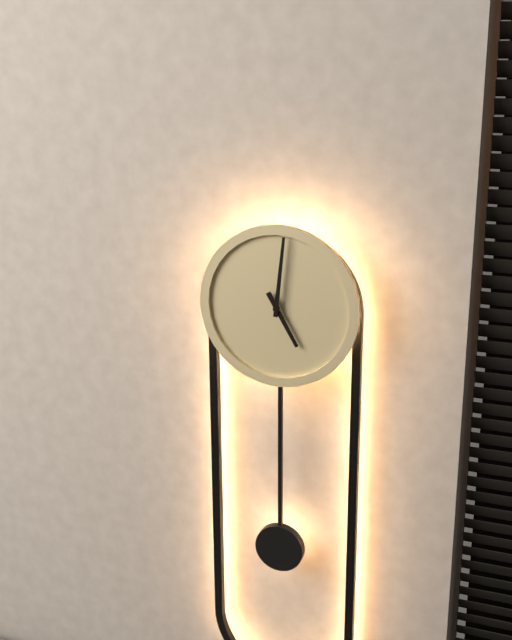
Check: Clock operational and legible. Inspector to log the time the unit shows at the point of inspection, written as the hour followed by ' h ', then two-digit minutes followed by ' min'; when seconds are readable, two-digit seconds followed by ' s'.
5 h 01 min
